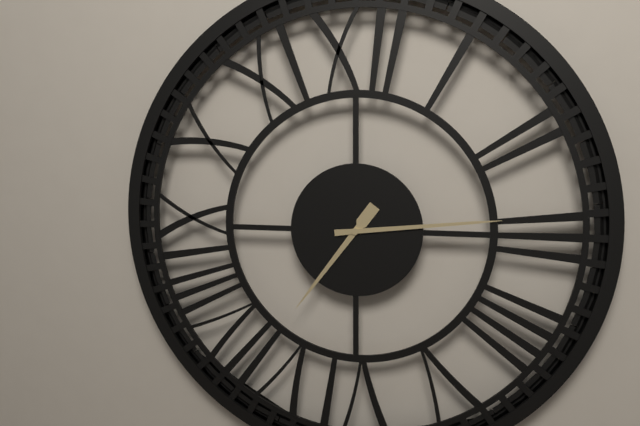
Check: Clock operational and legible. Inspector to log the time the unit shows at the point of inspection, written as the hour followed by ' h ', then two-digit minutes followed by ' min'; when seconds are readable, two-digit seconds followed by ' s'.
7 h 14 min
